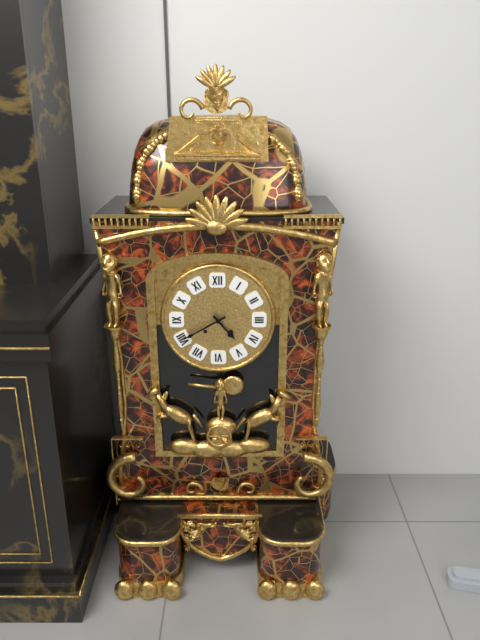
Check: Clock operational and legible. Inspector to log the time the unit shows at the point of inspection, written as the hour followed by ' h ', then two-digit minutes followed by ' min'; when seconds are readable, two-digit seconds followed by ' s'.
4 h 40 min
